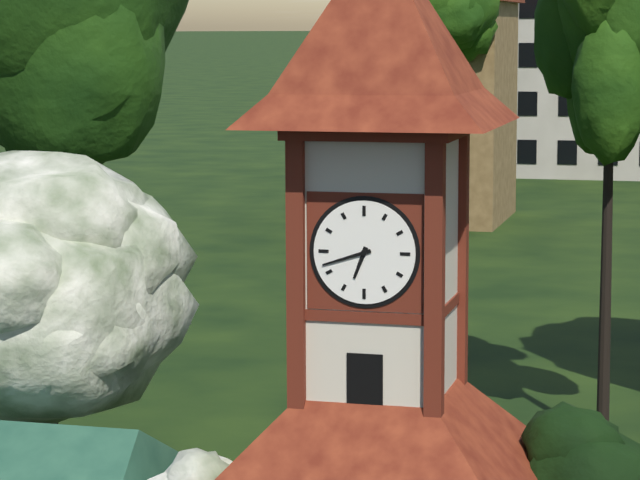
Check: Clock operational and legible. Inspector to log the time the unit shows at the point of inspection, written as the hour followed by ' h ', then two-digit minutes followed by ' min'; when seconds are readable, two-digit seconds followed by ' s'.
6 h 42 min
